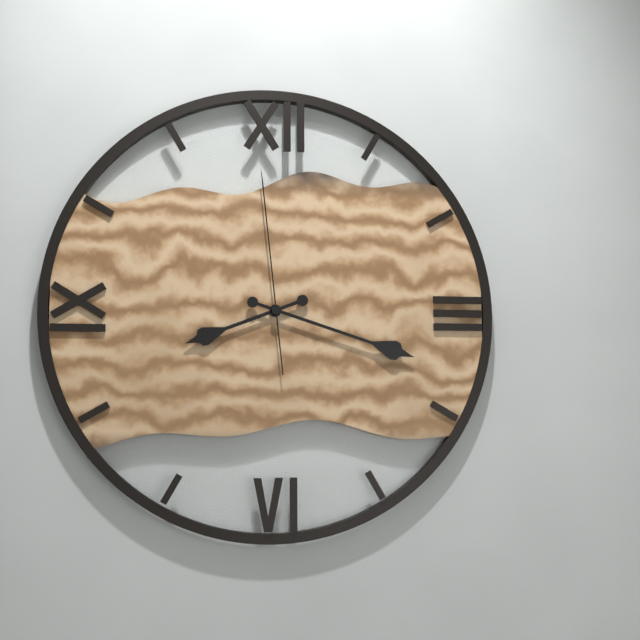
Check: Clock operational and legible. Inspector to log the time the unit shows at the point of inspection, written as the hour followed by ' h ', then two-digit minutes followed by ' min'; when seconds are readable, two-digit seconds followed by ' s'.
8 h 18 min 59 s
